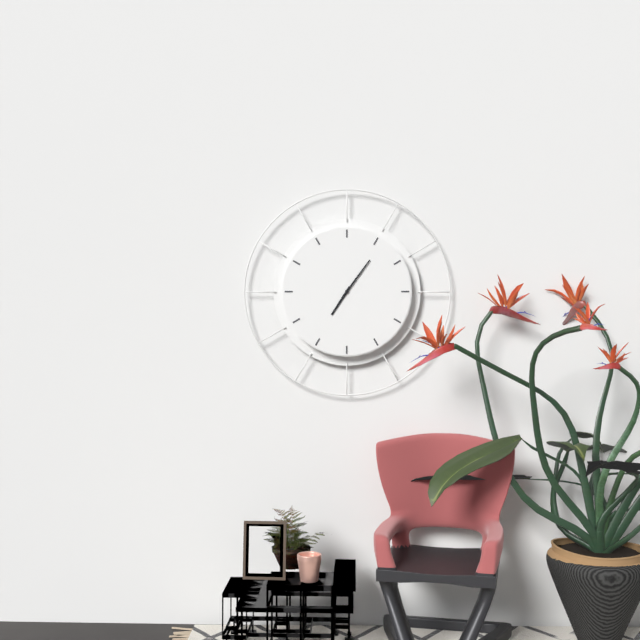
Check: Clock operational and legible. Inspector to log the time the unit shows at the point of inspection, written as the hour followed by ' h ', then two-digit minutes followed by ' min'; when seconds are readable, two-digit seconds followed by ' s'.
7 h 06 min
